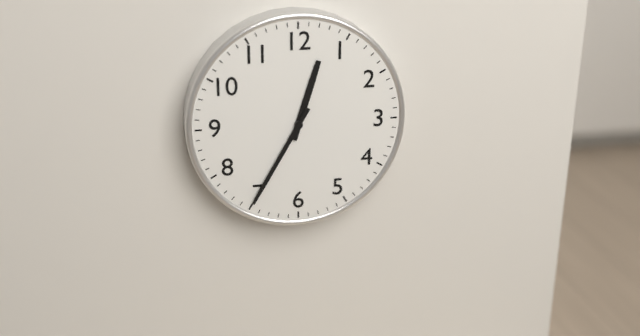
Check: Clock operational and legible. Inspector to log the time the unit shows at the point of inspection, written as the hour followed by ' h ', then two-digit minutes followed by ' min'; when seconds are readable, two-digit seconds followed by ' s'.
12 h 35 min
